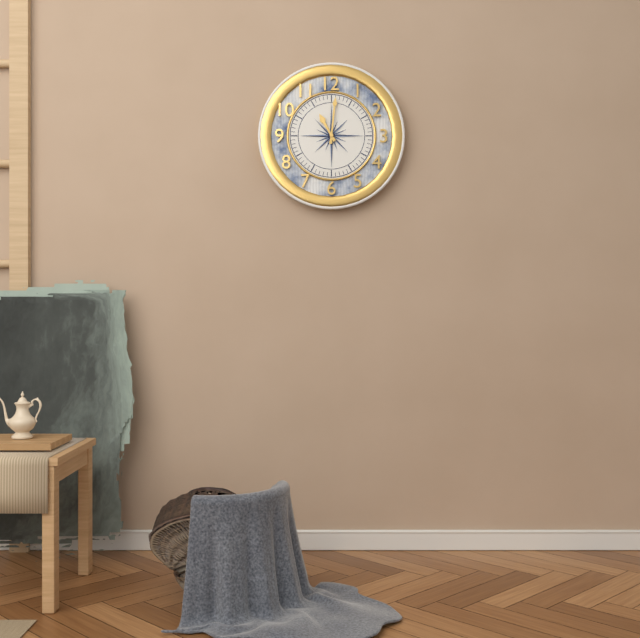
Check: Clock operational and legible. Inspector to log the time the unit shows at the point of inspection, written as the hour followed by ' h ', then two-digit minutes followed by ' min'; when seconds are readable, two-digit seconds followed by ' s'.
11 h 01 min
